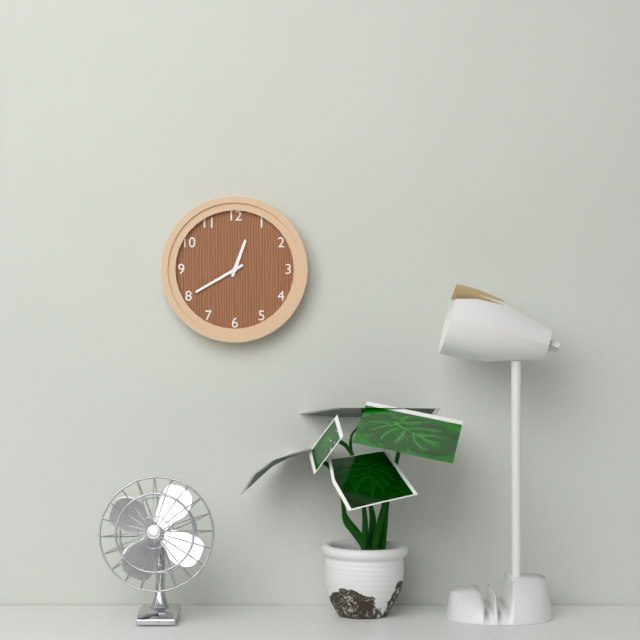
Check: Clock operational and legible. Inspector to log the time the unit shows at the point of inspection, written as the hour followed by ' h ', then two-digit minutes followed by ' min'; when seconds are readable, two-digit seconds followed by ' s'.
12 h 40 min
